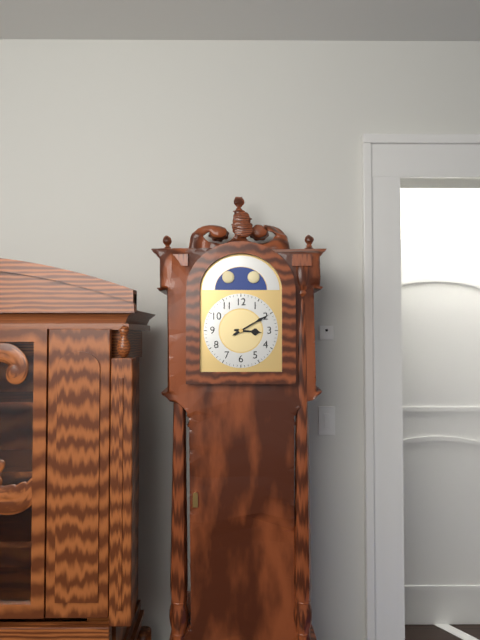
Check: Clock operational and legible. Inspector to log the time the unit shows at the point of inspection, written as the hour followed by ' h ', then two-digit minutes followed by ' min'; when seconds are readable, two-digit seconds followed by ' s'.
3 h 10 min
